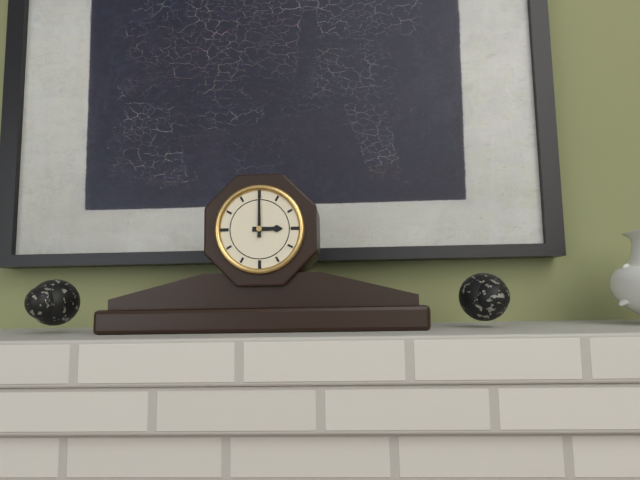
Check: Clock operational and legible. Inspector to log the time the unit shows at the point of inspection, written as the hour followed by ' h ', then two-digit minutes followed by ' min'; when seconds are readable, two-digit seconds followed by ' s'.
3 h 00 min
